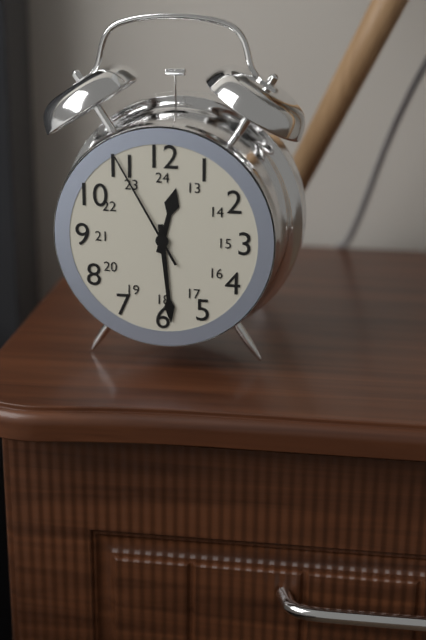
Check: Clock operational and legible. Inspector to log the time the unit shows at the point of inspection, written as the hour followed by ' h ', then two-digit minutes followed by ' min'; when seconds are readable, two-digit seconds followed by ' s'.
12 h 29 min 55 s
